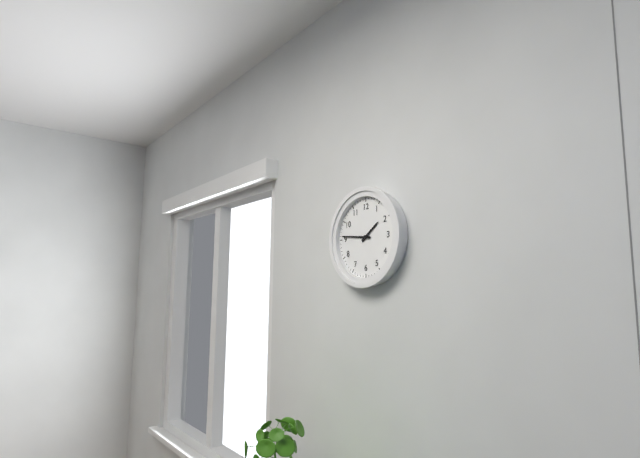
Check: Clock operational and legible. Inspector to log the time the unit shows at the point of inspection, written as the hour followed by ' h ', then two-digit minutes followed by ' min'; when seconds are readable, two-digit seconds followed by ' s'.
1 h 46 min
